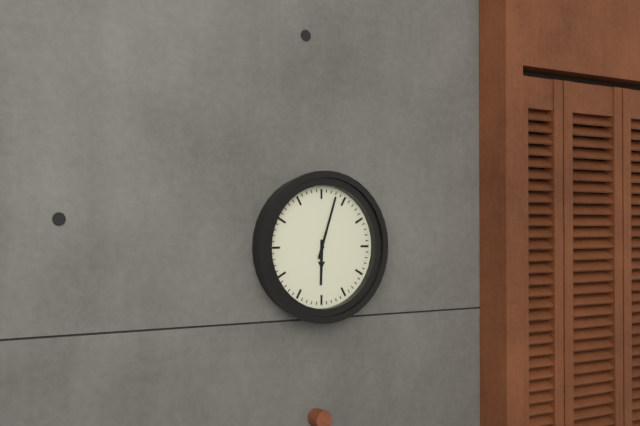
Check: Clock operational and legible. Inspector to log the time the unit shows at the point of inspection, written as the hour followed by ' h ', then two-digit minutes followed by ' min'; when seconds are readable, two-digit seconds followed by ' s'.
6 h 03 min
